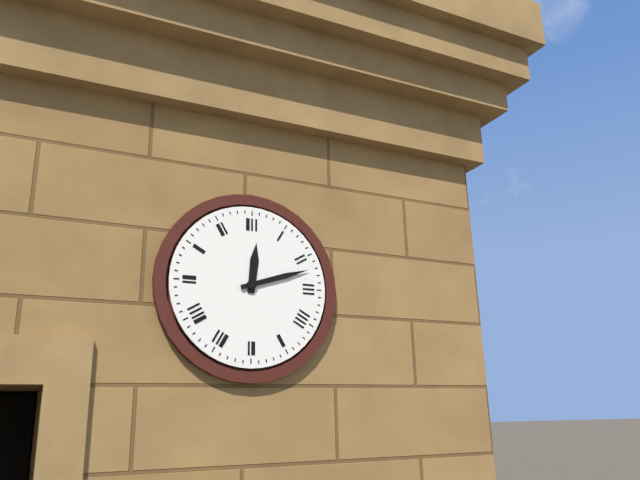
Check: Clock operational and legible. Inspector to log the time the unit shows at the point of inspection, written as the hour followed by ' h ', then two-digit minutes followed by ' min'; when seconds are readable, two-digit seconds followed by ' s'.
12 h 12 min
